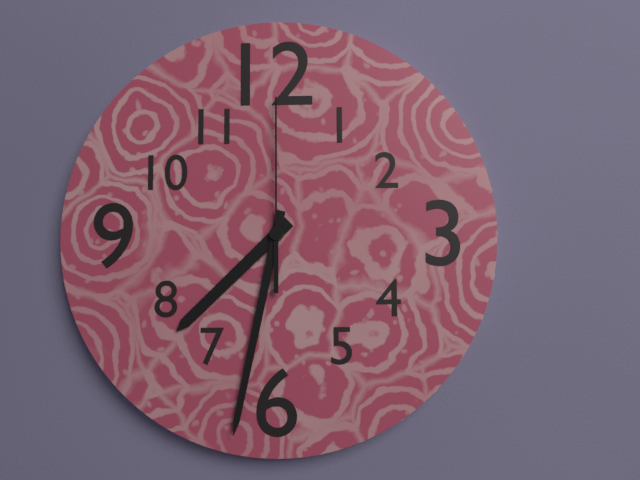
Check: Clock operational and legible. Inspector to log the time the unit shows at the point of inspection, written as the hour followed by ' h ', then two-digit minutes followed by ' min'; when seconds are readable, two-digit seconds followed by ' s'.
7 h 32 min 00 s
